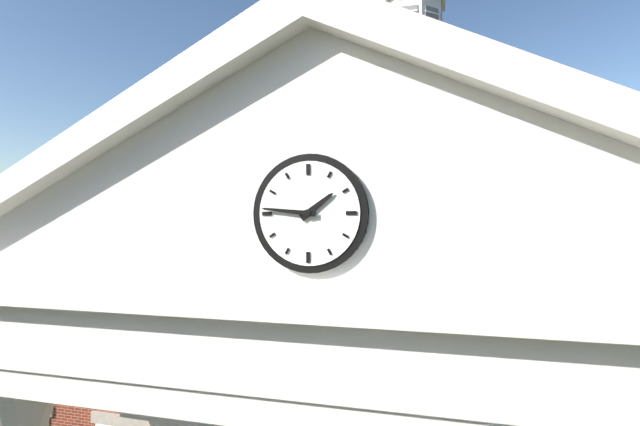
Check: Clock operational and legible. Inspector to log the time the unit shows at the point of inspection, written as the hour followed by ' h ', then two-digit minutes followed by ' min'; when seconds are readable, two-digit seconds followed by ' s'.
1 h 46 min
